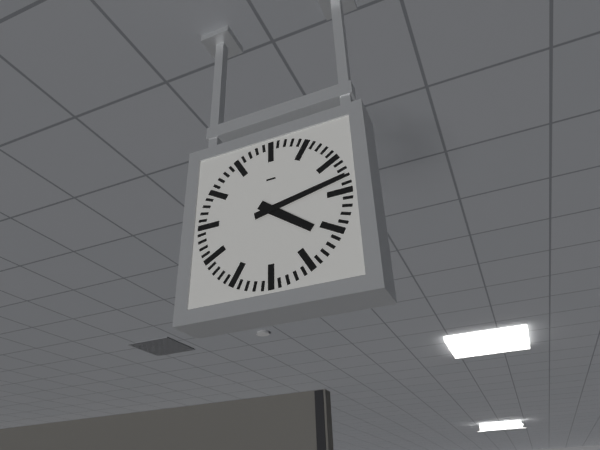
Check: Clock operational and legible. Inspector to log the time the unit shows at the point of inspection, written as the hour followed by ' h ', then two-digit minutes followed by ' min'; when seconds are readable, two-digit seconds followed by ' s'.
4 h 13 min
